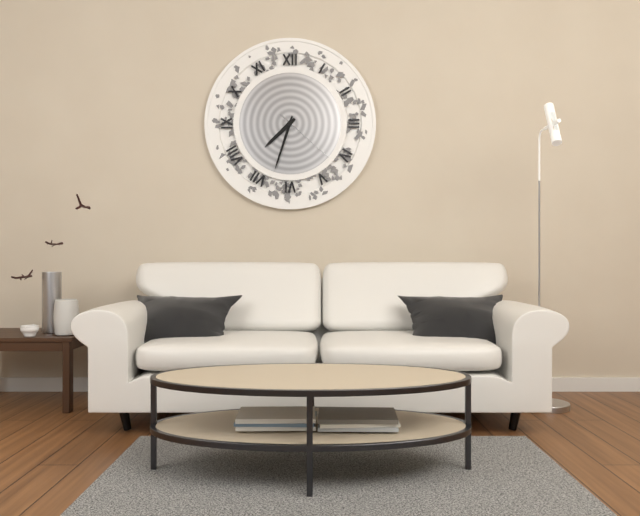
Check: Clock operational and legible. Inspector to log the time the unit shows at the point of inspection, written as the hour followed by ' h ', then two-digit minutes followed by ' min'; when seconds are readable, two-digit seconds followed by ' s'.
7 h 33 min 22 s
